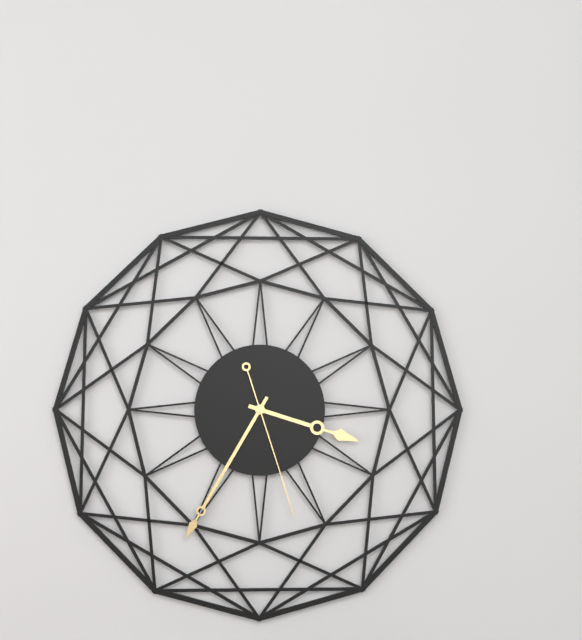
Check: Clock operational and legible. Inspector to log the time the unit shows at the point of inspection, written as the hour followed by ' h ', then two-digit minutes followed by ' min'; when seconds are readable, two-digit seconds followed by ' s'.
3 h 35 min 27 s
